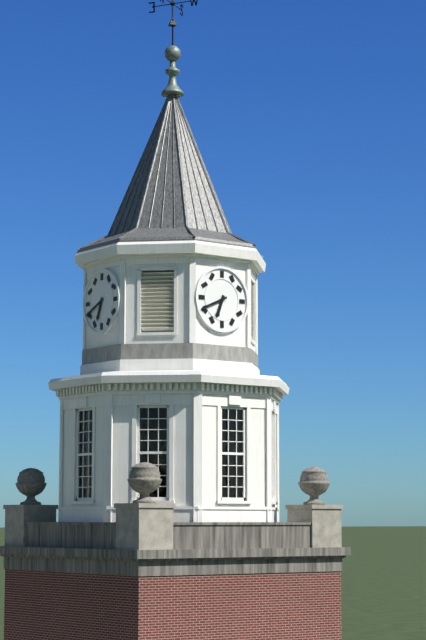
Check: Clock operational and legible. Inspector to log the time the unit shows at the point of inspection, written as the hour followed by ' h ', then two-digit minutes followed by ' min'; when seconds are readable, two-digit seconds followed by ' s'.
6 h 41 min
